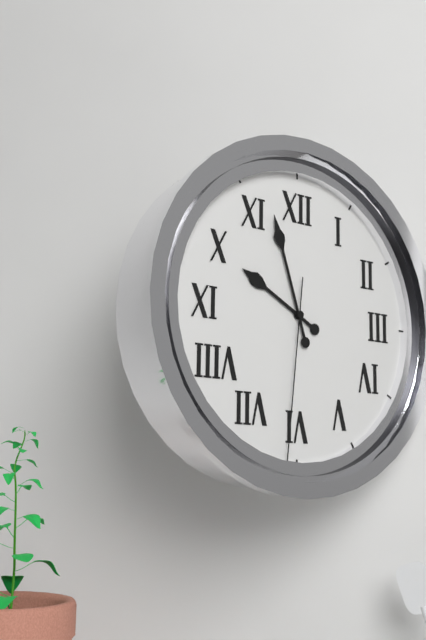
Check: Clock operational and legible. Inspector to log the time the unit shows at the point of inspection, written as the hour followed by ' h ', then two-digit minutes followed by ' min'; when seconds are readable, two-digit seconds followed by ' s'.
9 h 57 min 31 s
